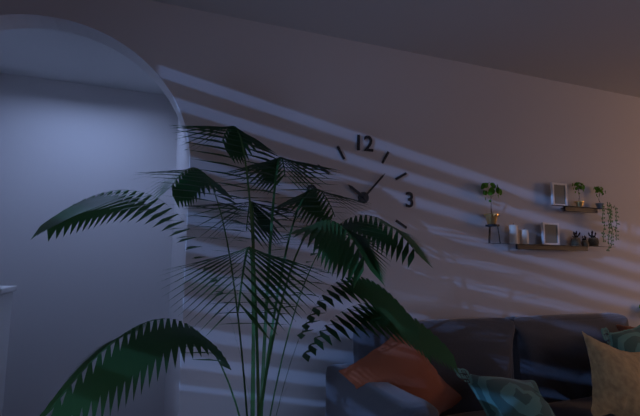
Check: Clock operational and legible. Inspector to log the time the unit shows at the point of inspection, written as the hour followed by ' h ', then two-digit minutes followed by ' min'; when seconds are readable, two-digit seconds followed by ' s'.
10 h 07 min
